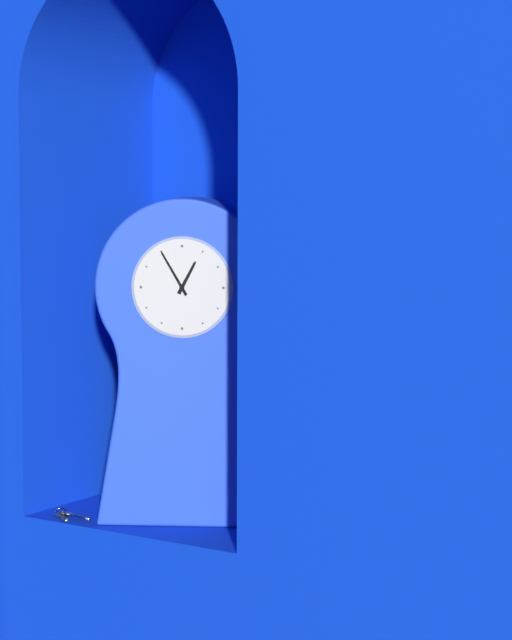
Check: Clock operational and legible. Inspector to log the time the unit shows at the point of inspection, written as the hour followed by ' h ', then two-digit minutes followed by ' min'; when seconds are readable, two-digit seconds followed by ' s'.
12 h 55 min
